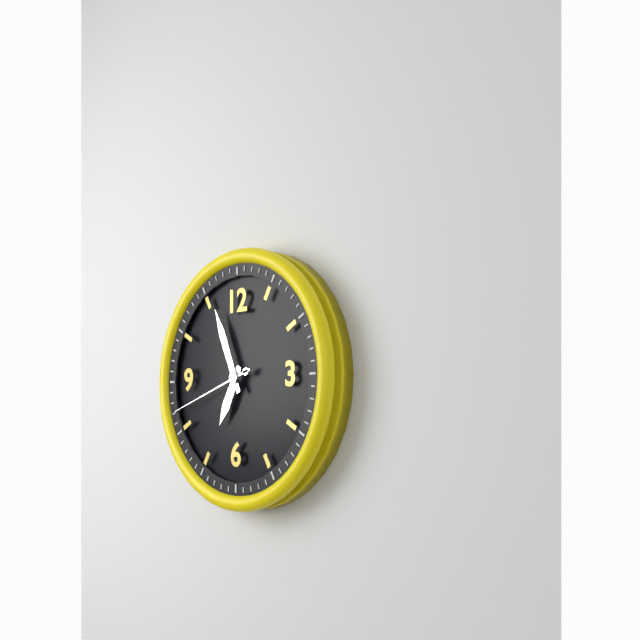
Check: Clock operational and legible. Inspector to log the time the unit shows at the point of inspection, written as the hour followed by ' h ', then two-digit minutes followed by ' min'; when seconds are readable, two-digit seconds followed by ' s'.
6 h 56 min 42 s
